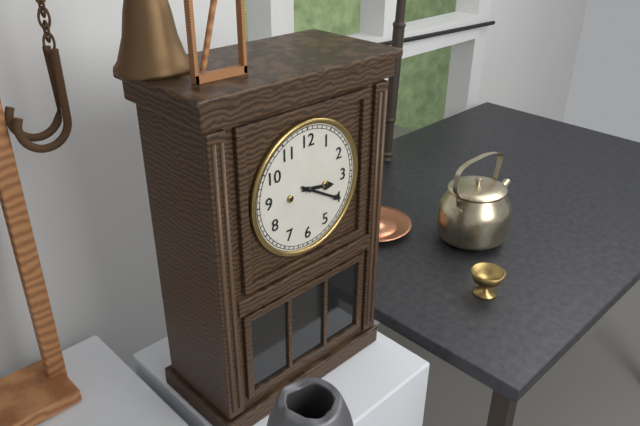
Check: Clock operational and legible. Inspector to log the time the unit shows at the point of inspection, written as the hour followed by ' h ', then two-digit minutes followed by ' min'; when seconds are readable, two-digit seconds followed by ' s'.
3 h 20 min
